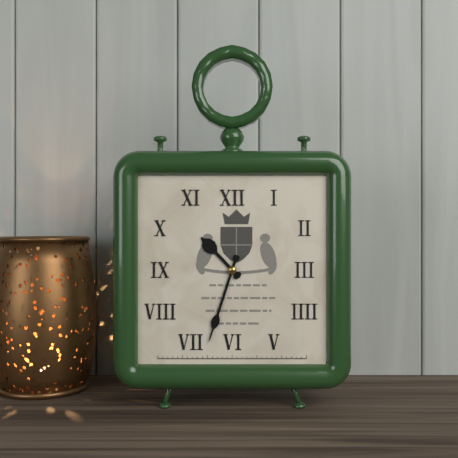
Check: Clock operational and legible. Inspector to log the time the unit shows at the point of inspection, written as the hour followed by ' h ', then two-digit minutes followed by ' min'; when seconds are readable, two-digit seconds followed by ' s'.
10 h 33 min
